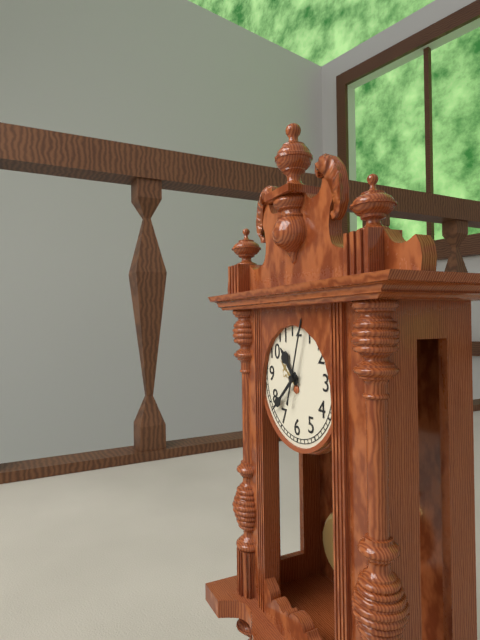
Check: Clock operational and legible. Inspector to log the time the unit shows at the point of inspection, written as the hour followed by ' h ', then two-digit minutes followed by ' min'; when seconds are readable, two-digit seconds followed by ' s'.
10 h 38 min 03 s
